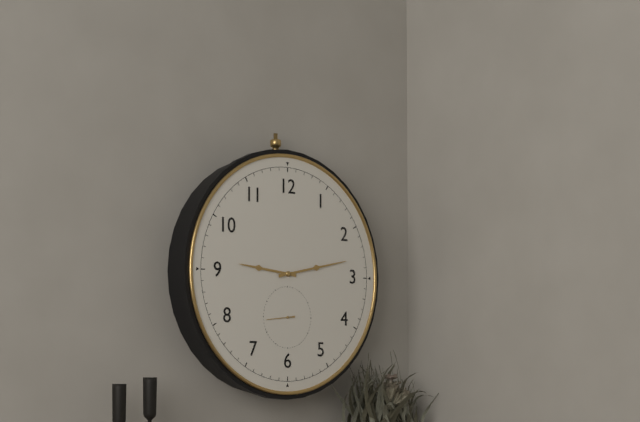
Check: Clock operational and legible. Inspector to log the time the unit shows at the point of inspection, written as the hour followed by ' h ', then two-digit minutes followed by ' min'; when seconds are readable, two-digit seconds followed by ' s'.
9 h 13 min
